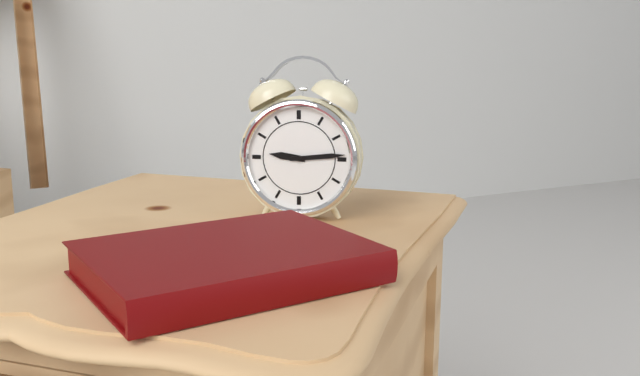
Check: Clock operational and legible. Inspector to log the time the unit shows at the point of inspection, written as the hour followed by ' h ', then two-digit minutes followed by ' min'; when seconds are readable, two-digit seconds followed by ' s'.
9 h 14 min
